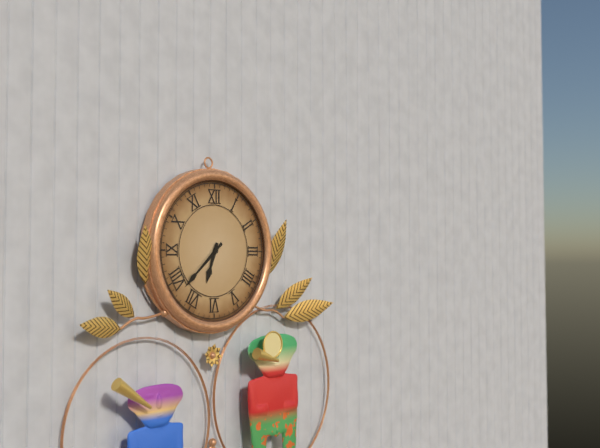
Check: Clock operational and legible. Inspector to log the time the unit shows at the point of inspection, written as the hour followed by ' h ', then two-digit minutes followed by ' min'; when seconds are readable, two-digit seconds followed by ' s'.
6 h 38 min
